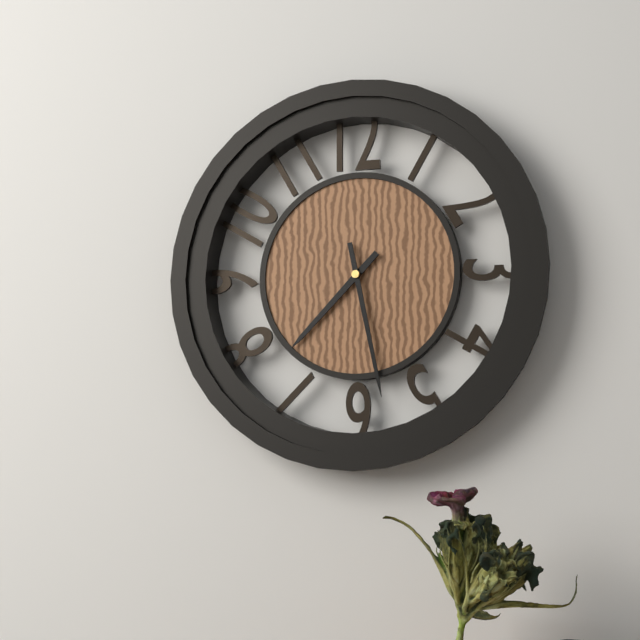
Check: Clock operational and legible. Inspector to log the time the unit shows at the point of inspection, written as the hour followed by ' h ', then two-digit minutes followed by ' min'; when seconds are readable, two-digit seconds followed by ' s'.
7 h 28 min
